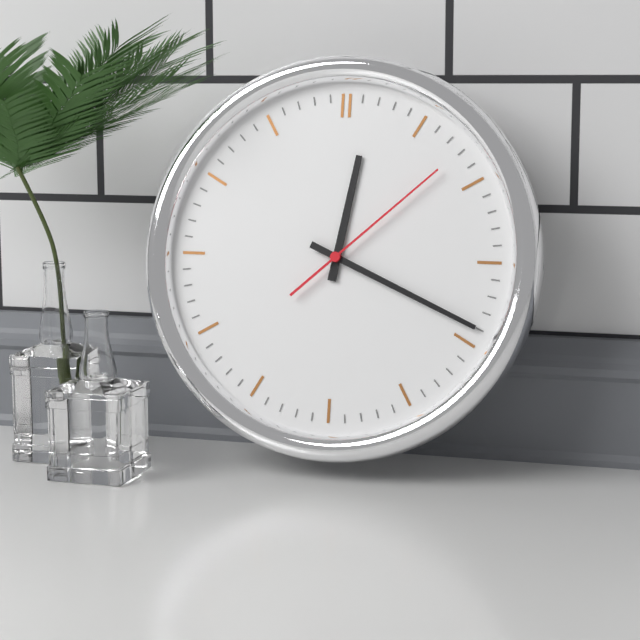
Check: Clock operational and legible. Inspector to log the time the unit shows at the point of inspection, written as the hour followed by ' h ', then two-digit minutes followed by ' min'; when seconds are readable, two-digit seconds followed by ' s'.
12 h 19 min 08 s
